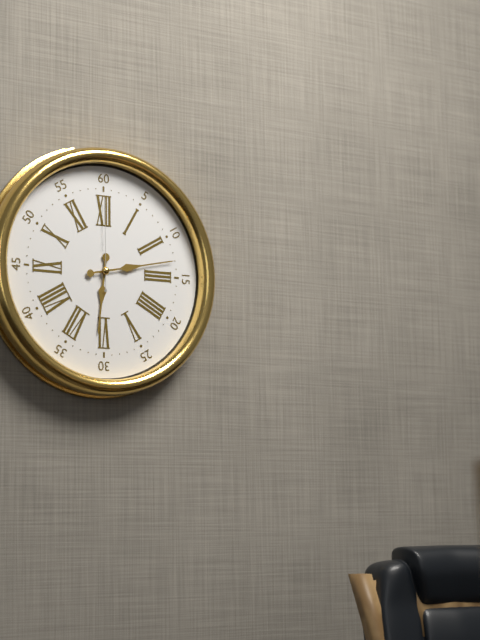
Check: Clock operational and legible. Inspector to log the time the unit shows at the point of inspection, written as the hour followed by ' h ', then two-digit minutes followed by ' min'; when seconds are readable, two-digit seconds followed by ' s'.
6 h 13 min 00 s
